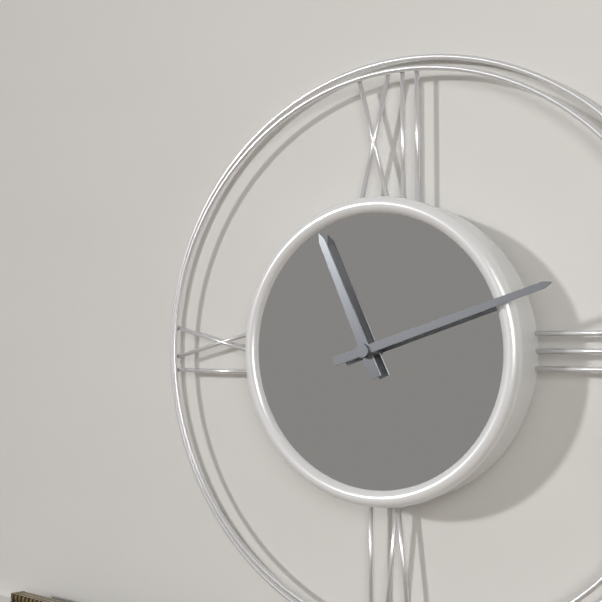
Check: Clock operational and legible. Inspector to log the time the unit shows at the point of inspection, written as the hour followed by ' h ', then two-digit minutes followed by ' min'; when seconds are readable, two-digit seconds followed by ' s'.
11 h 12 min
